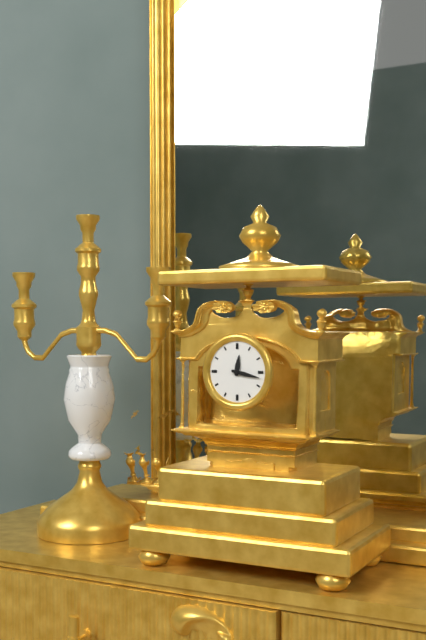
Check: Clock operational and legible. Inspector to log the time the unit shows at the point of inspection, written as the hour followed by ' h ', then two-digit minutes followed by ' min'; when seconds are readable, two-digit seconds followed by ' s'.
12 h 17 min
